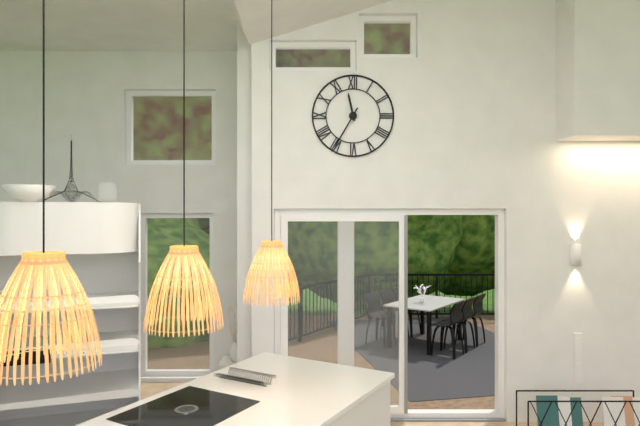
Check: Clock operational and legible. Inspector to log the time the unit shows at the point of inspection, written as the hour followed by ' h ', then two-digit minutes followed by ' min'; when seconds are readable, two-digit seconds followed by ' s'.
11 h 35 min
